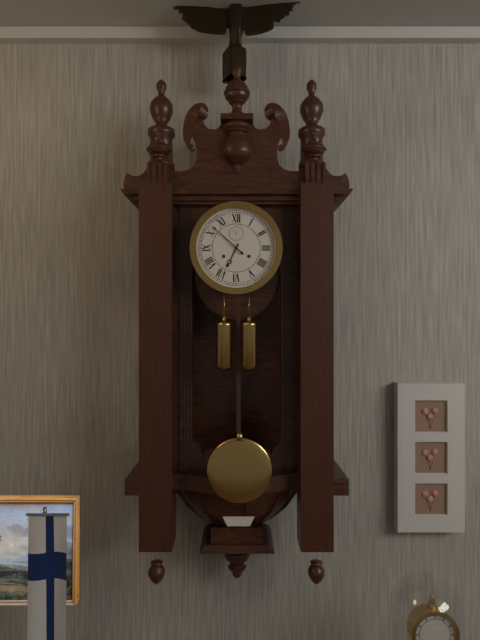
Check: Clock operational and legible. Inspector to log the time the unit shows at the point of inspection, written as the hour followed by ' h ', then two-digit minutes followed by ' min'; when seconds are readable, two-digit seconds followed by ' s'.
6 h 52 min
